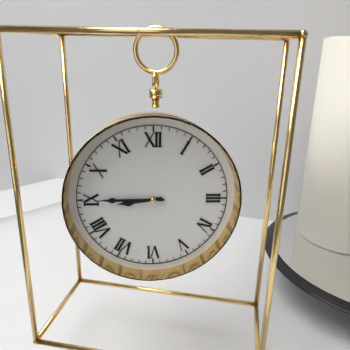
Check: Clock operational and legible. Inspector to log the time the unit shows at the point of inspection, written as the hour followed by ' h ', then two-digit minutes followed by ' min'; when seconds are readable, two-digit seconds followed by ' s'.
8 h 45 min
